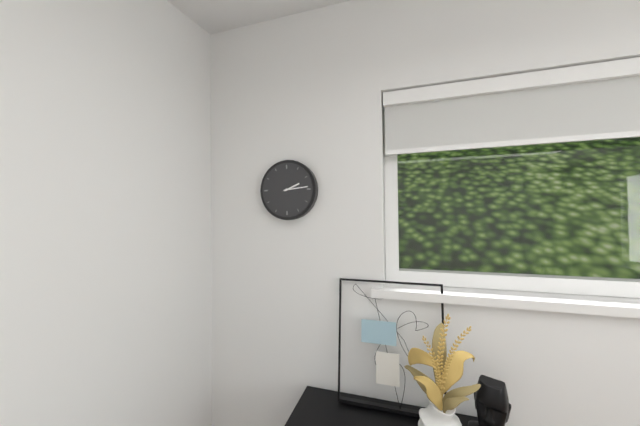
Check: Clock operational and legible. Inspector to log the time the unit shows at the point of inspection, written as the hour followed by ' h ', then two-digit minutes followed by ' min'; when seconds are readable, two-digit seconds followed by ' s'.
2 h 14 min
